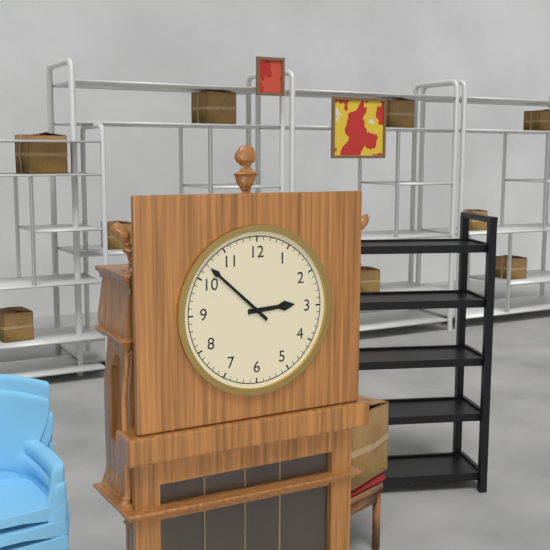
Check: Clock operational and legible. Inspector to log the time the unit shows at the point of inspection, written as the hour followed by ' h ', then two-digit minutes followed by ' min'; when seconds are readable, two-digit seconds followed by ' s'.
2 h 52 min
